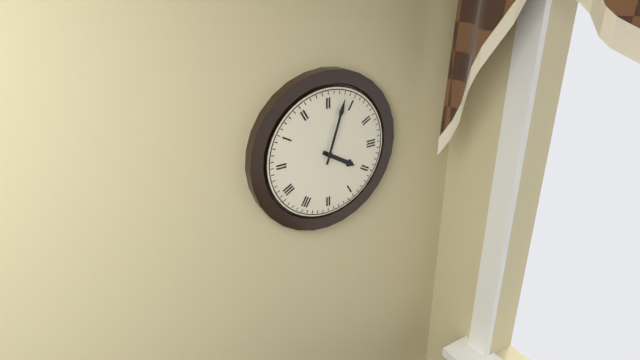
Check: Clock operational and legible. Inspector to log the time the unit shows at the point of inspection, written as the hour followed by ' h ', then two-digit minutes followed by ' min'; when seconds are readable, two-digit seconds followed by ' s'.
4 h 03 min
